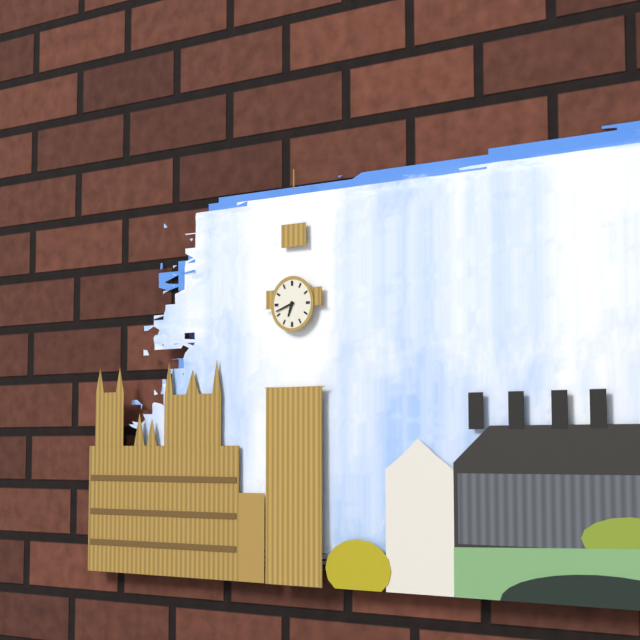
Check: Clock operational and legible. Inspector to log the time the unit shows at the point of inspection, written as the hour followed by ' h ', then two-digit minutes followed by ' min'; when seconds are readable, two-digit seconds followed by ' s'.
6 h 42 min
